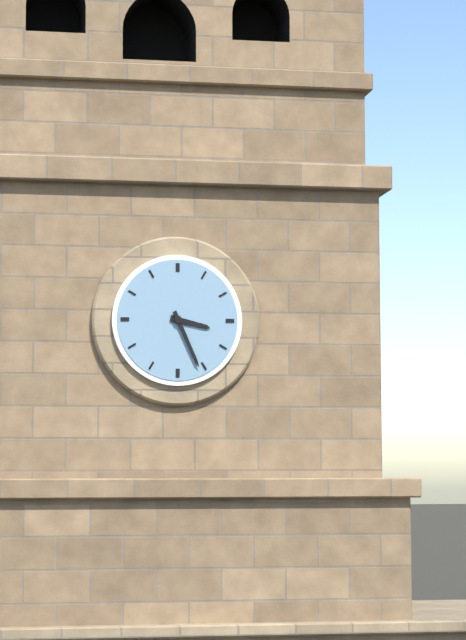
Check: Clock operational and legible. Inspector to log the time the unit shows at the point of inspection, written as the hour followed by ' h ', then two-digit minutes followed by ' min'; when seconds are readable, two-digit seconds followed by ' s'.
3 h 26 min
